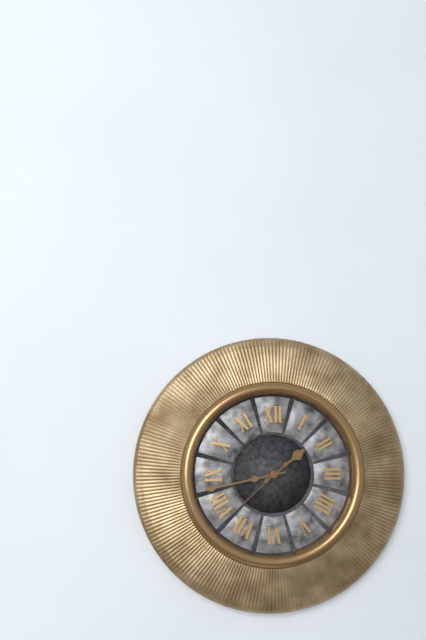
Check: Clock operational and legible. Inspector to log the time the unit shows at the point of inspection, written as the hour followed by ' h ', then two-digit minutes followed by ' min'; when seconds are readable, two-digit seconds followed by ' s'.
1 h 43 min 38 s
